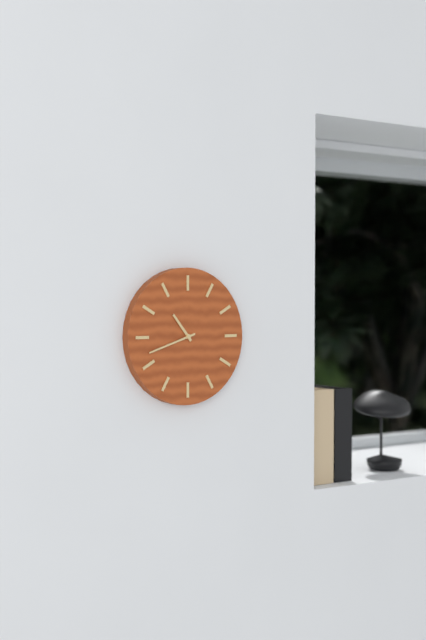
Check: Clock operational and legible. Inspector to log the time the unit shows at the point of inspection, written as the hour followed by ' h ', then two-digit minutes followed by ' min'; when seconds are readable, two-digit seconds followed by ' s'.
10 h 42 min
